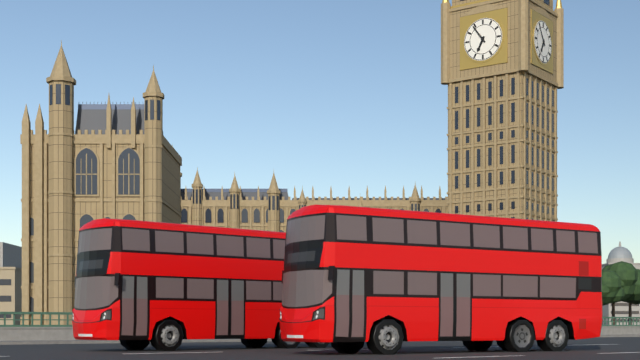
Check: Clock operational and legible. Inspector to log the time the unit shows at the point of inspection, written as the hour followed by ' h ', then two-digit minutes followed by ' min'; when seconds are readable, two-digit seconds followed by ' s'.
6 h 54 min
